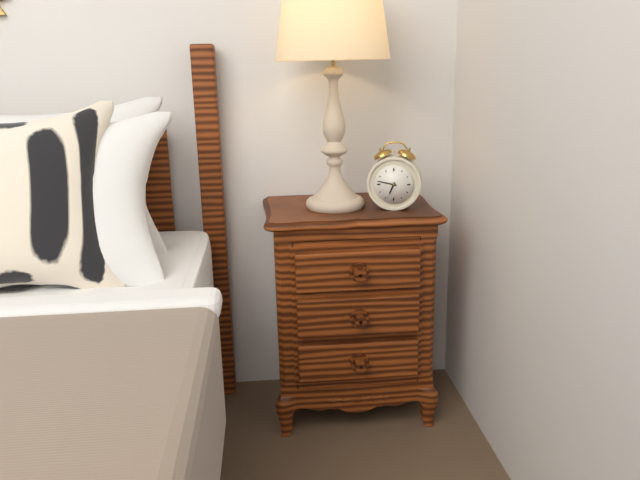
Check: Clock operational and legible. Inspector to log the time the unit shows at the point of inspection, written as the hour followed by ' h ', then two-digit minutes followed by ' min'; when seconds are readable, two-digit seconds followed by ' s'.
6 h 47 min
